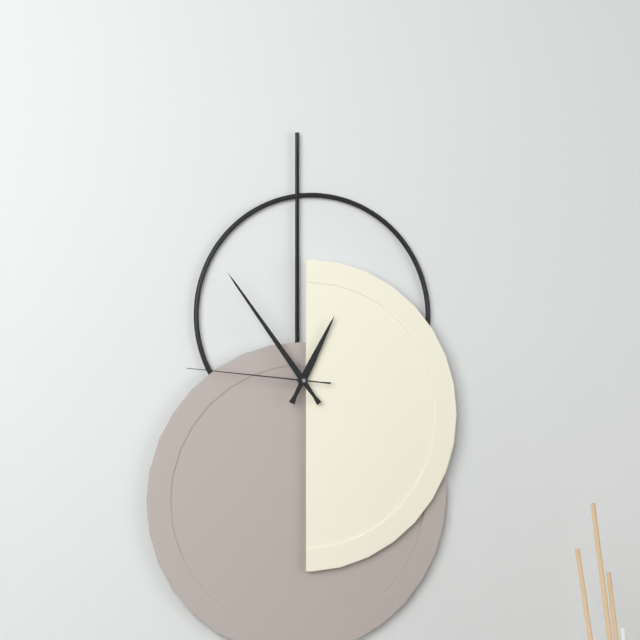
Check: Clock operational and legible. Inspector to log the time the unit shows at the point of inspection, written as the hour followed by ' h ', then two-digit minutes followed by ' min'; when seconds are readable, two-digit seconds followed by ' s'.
12 h 54 min 46 s
